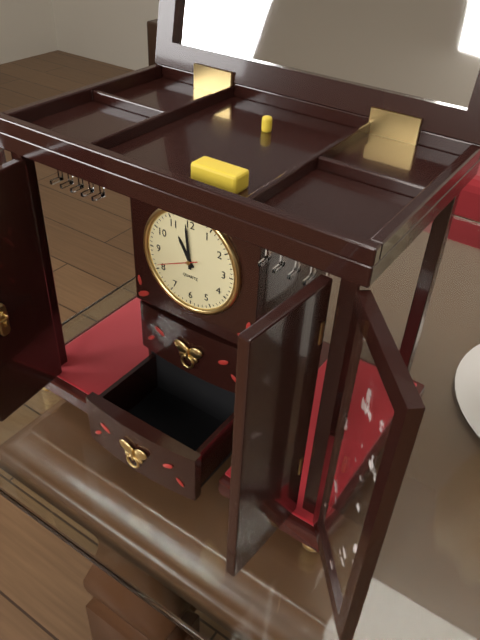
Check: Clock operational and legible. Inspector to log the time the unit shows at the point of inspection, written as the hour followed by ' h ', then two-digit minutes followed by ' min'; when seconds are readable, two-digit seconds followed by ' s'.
10 h 59 min
